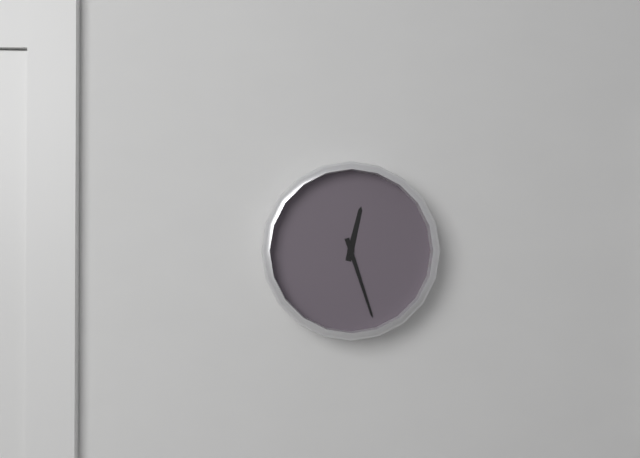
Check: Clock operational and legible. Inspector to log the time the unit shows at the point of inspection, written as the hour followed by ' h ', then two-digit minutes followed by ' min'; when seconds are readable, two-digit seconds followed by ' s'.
12 h 27 min
